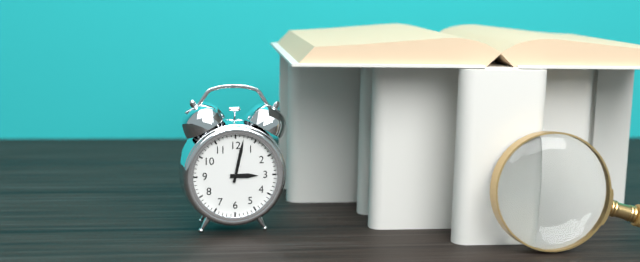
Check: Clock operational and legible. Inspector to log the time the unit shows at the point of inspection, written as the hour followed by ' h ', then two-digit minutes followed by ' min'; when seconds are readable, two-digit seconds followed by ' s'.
3 h 02 min
